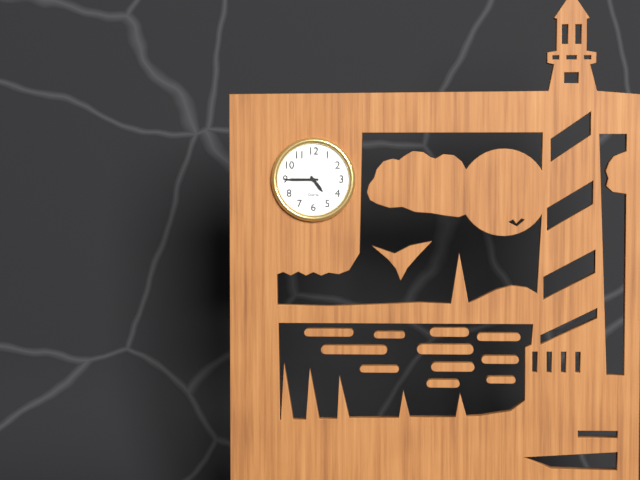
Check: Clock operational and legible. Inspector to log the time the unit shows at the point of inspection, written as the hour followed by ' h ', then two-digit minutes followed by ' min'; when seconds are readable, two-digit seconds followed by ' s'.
4 h 45 min
